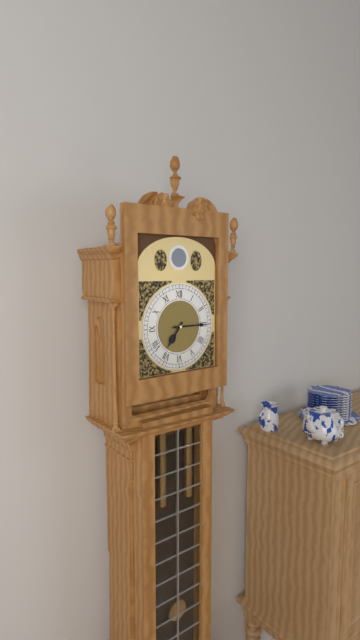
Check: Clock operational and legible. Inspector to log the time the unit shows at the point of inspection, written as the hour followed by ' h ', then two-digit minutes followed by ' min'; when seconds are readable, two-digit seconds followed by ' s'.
7 h 15 min
